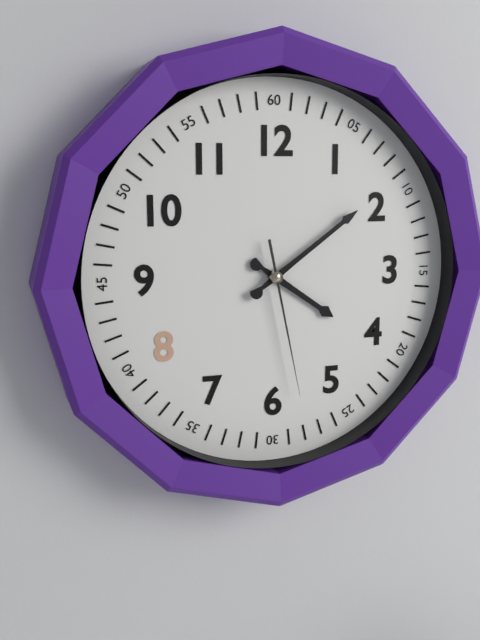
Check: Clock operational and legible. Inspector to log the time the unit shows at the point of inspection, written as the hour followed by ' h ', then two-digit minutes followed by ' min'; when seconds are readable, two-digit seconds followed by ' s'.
4 h 09 min 28 s
